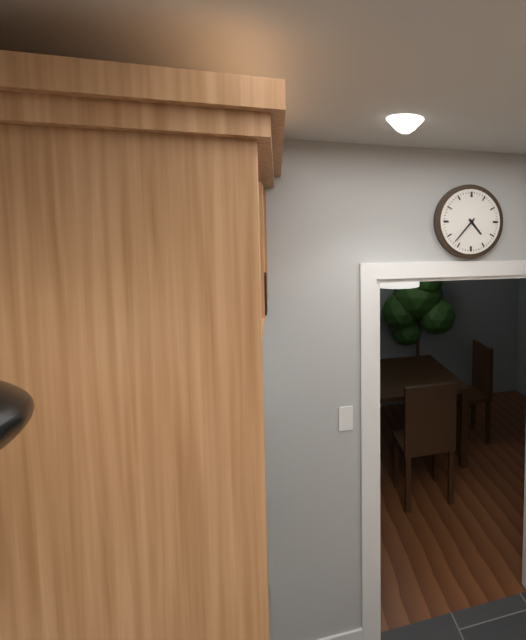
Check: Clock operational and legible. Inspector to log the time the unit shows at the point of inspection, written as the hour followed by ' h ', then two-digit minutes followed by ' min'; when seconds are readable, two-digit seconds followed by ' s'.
4 h 37 min
